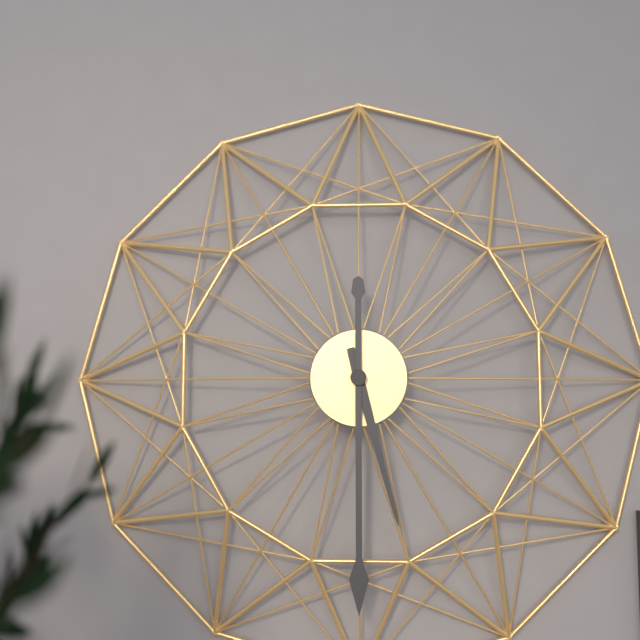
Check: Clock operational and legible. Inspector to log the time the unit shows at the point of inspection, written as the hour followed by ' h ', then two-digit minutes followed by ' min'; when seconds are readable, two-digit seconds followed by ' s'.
5 h 30 min
